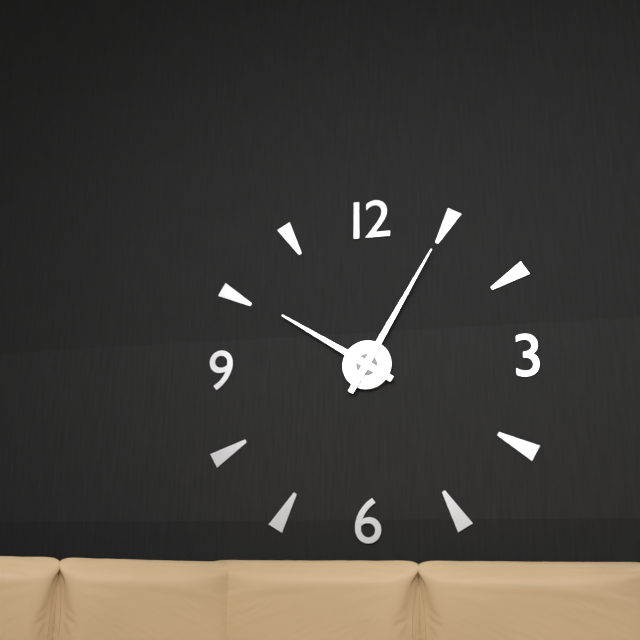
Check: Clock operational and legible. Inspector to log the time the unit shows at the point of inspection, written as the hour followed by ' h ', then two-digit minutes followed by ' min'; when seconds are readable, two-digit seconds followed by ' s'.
10 h 05 min
